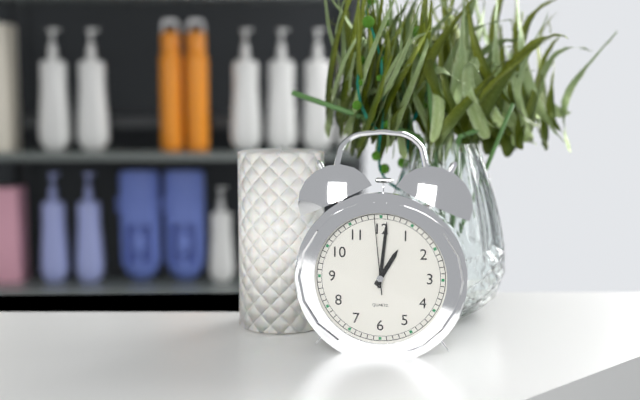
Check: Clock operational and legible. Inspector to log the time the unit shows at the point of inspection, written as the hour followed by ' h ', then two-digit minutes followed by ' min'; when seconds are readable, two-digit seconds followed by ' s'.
1 h 01 min 59 s
